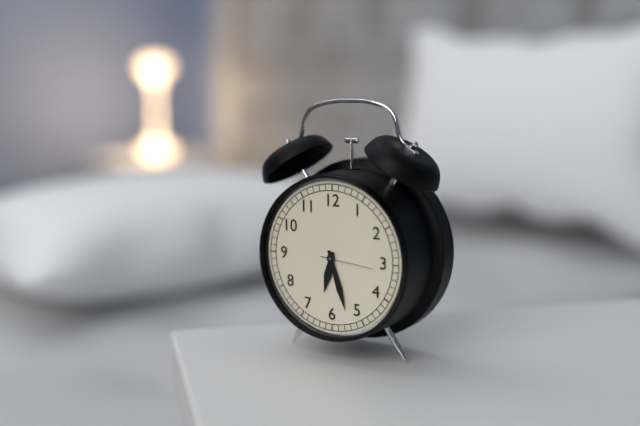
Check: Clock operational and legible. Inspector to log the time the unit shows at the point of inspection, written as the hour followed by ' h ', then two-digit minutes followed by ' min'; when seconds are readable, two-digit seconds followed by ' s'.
6 h 27 min 16 s
